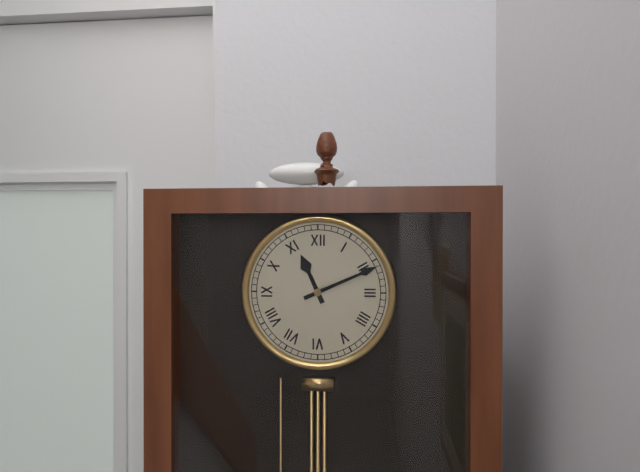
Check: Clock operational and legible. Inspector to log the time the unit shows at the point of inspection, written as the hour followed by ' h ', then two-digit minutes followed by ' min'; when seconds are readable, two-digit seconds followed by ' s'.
11 h 11 min
